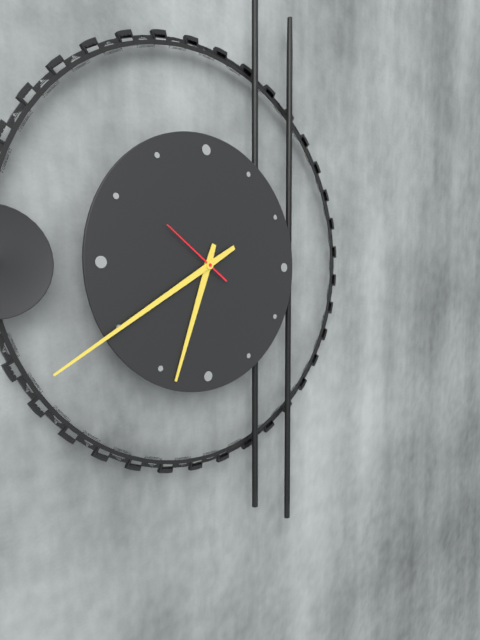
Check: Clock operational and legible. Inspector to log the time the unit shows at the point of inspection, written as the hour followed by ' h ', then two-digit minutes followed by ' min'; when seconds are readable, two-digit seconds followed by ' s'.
6 h 40 min 51 s
